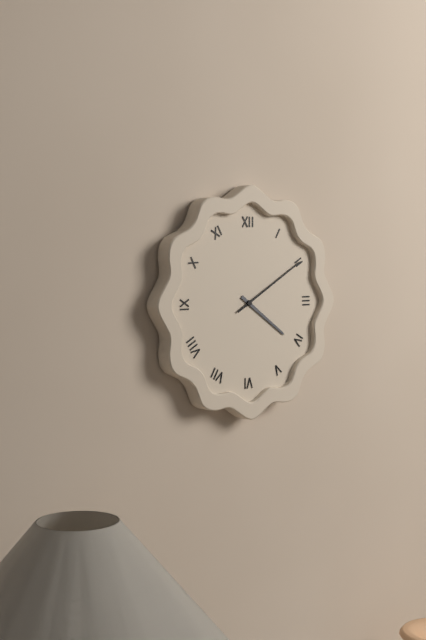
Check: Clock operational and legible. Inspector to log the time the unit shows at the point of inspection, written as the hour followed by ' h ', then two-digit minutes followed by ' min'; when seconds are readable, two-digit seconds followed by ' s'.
4 h 10 min
